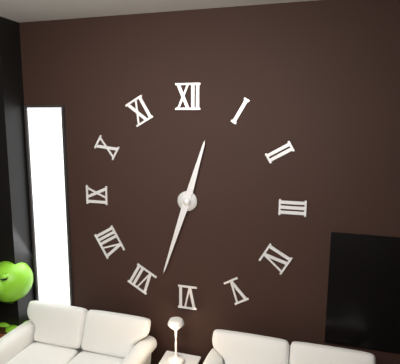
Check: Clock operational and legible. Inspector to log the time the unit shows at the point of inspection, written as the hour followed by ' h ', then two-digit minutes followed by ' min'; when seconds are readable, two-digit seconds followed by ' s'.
12 h 33 min
